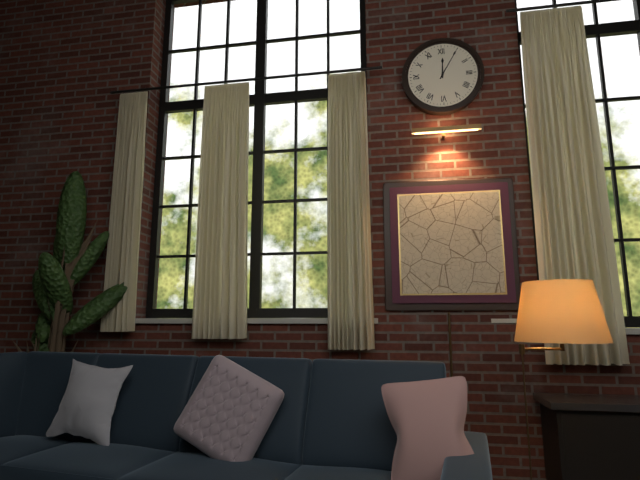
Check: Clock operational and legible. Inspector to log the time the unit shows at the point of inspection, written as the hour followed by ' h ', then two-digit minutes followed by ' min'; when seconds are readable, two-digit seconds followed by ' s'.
12 h 05 min
